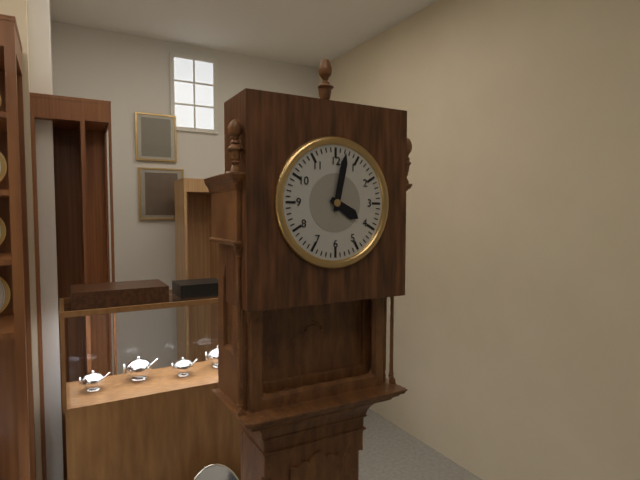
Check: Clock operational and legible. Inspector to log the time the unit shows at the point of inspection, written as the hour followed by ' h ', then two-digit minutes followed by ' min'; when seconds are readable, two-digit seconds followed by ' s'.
4 h 02 min
